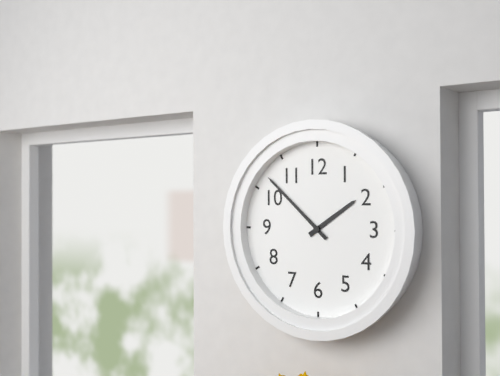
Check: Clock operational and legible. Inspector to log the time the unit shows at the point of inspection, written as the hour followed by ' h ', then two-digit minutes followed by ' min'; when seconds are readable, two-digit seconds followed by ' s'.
1 h 52 min
